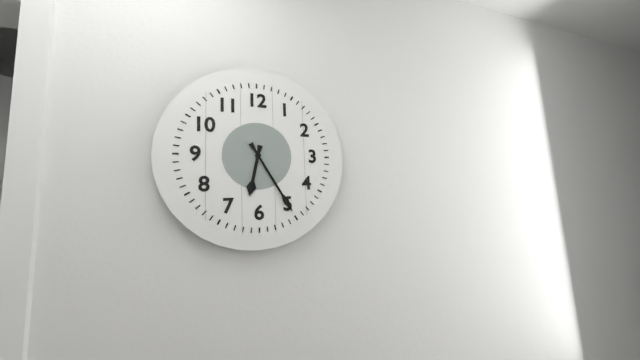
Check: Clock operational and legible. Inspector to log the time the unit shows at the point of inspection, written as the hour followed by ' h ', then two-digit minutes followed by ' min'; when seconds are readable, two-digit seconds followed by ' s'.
6 h 25 min
